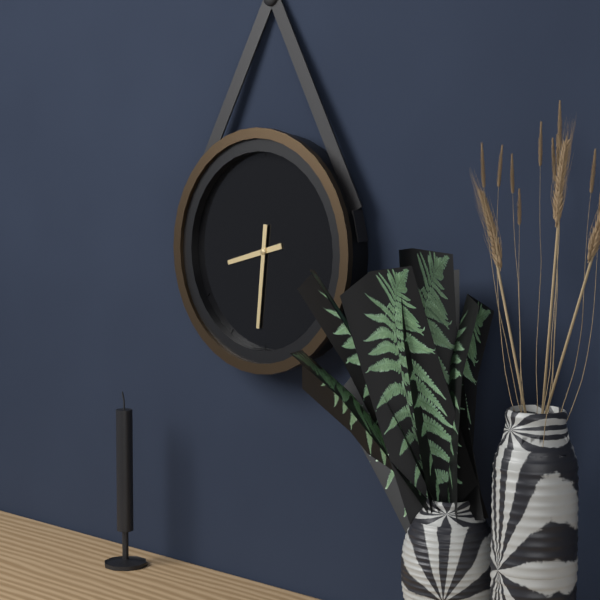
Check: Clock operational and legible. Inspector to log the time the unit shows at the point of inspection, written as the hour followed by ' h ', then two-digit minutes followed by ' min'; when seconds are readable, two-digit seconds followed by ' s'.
8 h 31 min
